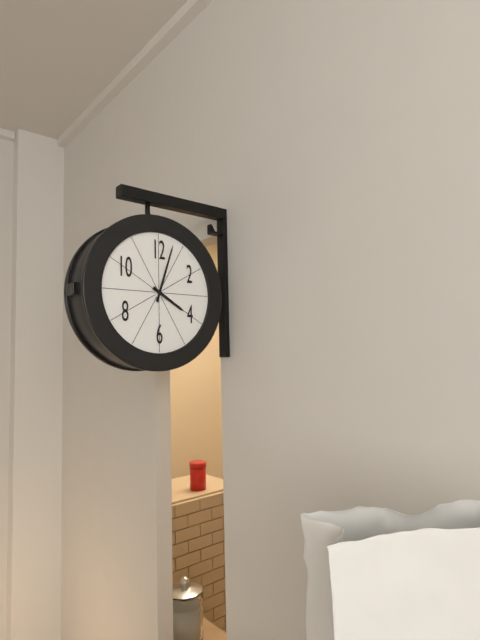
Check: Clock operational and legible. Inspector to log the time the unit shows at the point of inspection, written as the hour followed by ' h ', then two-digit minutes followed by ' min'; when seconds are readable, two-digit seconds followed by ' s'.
4 h 03 min
